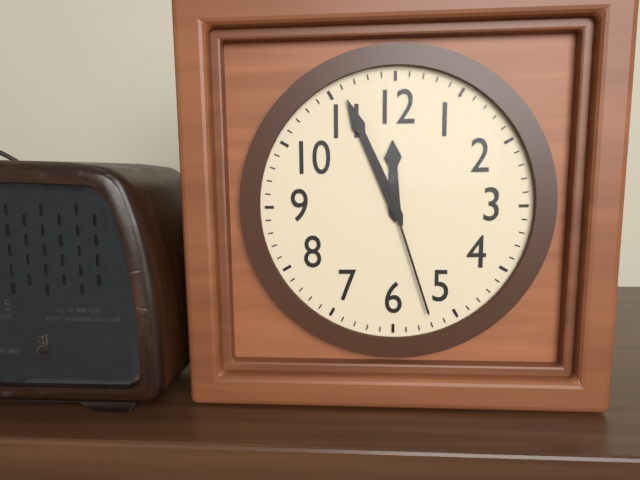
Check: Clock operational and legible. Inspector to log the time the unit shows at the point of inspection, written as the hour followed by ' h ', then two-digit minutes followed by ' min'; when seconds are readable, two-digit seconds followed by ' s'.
11 h 56 min 27 s
